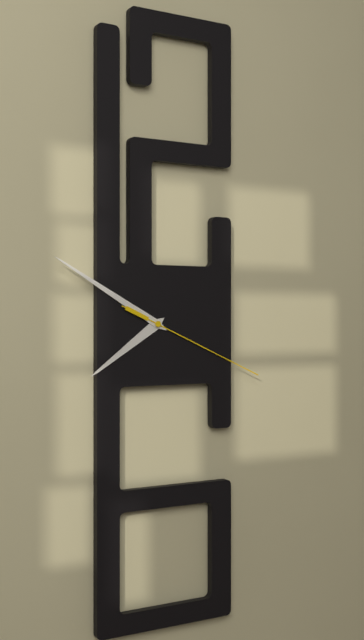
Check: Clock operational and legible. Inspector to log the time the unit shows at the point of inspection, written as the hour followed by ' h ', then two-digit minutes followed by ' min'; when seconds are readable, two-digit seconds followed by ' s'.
7 h 50 min 19 s
